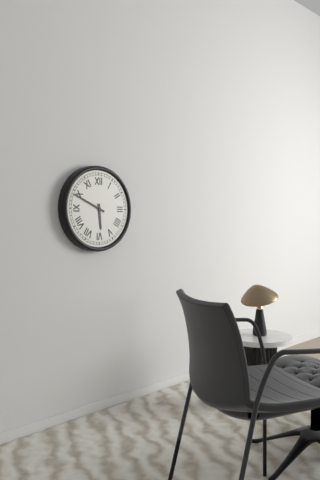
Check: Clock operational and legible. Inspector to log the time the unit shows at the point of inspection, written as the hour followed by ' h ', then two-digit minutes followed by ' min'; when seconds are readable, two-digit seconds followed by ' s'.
5 h 49 min
